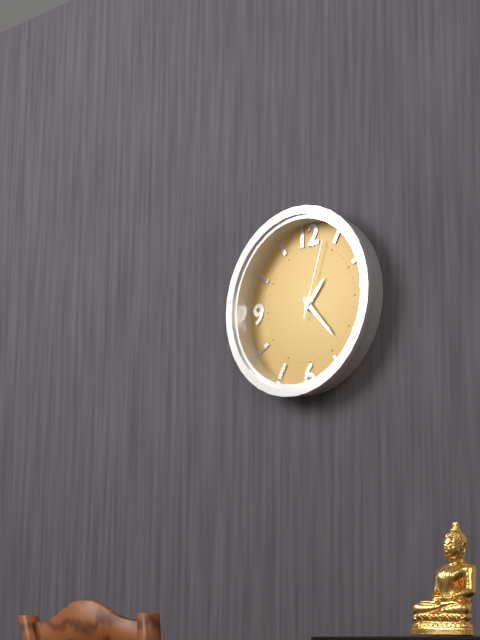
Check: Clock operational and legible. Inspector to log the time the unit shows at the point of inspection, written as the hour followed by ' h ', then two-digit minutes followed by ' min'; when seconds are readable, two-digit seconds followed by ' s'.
1 h 23 min 03 s
